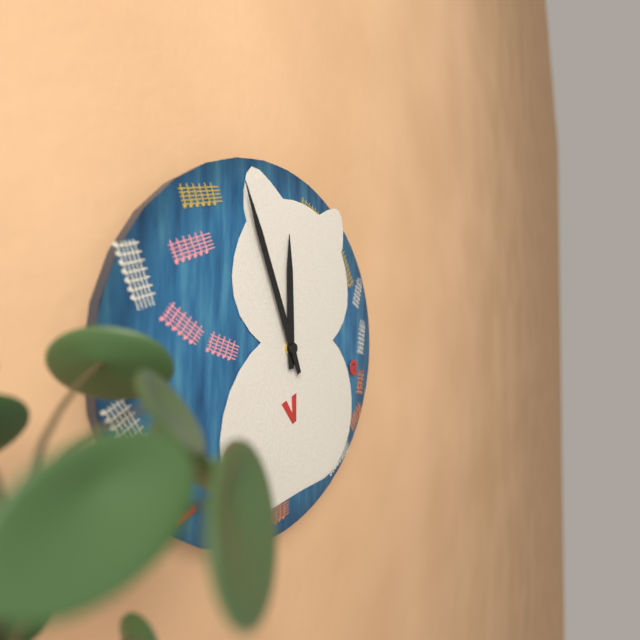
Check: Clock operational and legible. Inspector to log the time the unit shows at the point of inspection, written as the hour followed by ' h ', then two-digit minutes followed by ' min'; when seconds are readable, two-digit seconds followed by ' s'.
11 h 56 min
